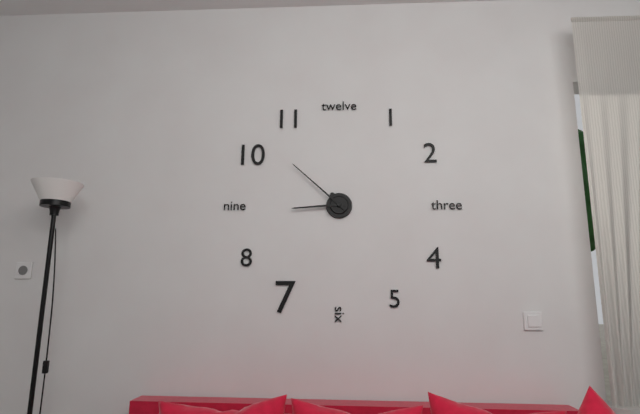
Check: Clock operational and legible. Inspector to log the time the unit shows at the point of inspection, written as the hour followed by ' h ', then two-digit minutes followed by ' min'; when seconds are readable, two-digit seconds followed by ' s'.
8 h 52 min
